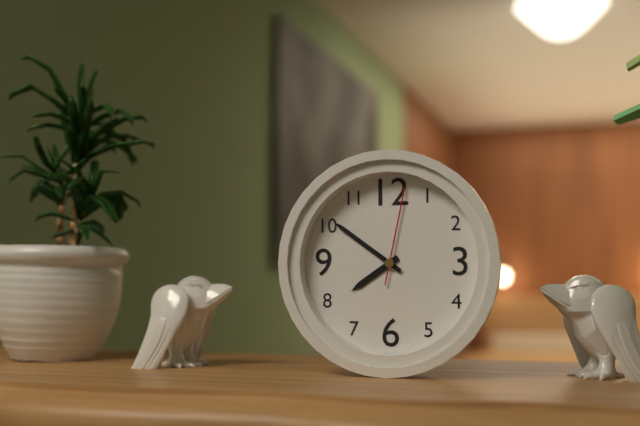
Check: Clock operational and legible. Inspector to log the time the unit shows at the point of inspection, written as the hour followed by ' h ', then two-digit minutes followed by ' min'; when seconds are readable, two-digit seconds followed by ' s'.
7 h 51 min 02 s
